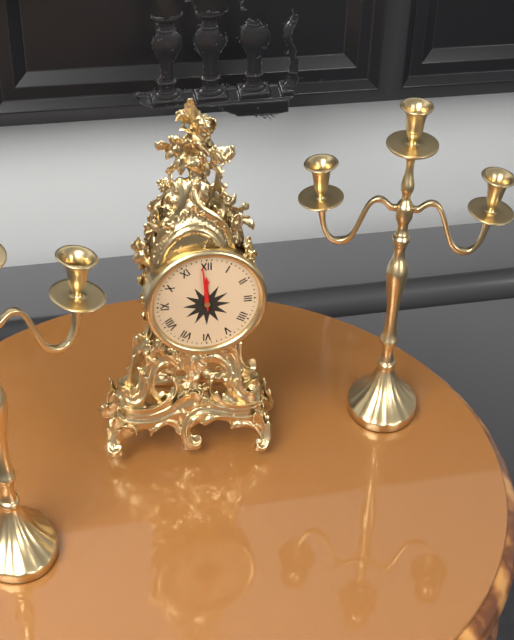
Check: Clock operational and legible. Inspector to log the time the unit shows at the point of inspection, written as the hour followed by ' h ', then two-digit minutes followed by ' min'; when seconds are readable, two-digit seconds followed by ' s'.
11 h 59 min
